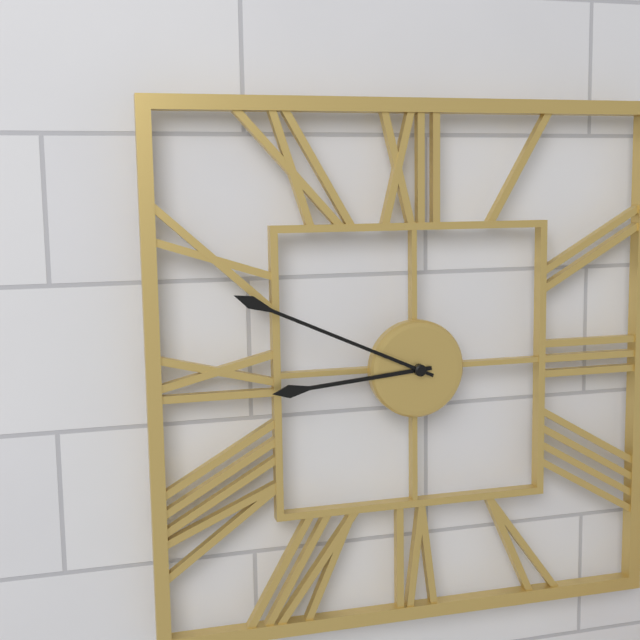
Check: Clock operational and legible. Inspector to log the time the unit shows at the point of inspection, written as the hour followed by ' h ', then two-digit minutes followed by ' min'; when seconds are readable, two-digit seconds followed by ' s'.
8 h 49 min
